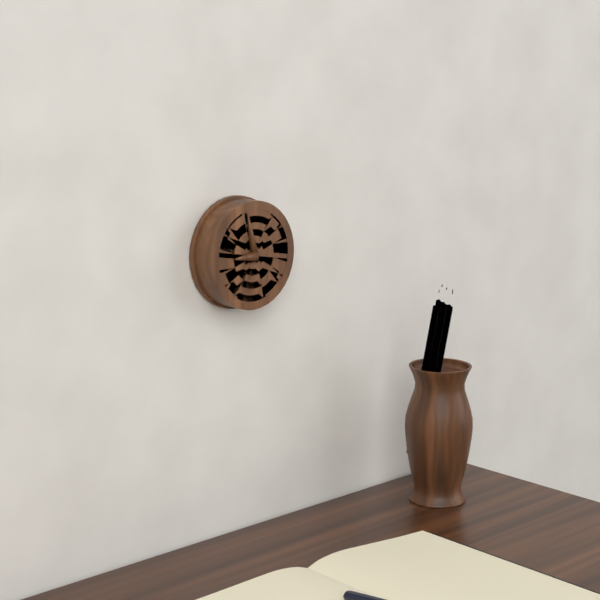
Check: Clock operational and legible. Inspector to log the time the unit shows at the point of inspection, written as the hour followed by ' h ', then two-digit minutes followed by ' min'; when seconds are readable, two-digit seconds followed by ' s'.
8 h 58 min
